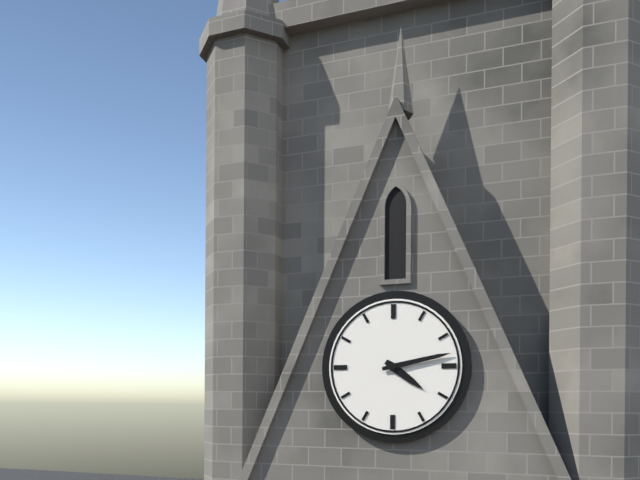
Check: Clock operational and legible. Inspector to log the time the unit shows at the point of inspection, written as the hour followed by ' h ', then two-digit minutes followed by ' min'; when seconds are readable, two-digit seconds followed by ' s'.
4 h 13 min
